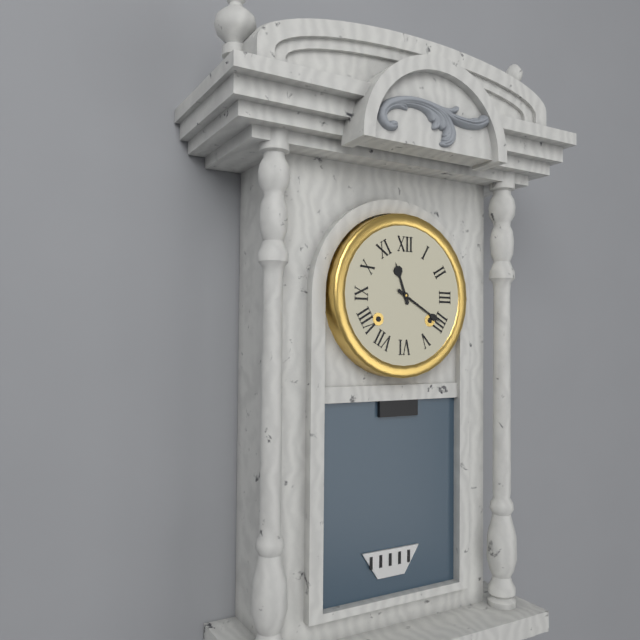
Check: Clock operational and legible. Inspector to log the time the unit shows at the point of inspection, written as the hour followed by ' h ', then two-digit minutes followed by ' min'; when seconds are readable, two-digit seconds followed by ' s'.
11 h 20 min
